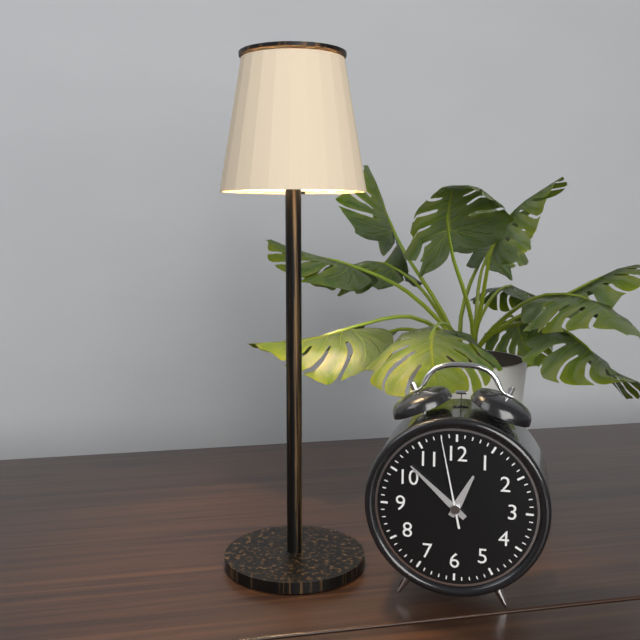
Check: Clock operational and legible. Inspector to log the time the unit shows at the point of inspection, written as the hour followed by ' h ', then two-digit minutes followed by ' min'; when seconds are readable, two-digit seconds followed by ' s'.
12 h 52 min 58 s
